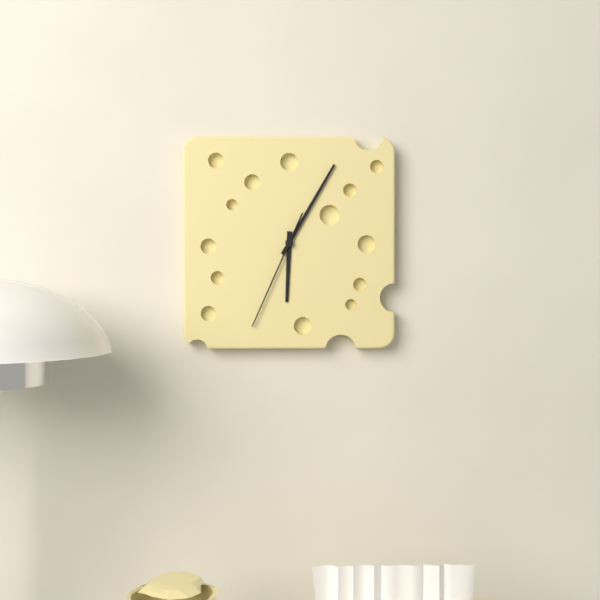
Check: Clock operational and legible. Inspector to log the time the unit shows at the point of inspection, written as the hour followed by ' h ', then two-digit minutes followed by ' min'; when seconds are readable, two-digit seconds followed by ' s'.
6 h 05 min 34 s
